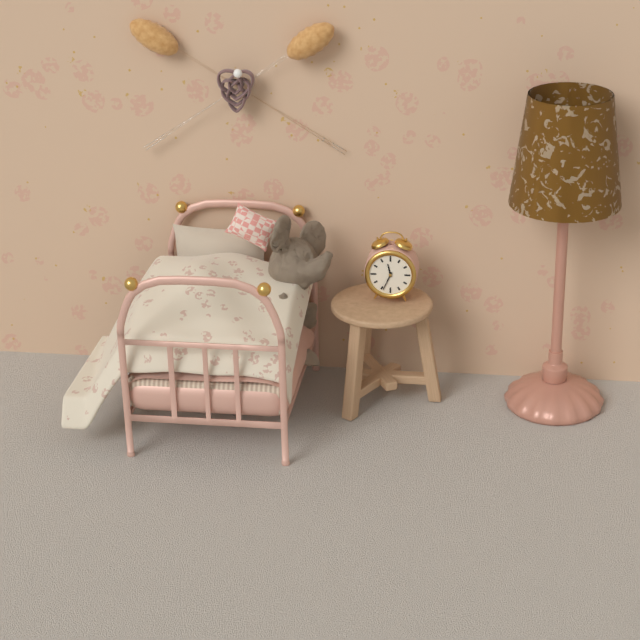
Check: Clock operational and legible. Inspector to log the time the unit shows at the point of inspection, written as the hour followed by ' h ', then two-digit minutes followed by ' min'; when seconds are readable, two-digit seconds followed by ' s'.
11 h 34 min
